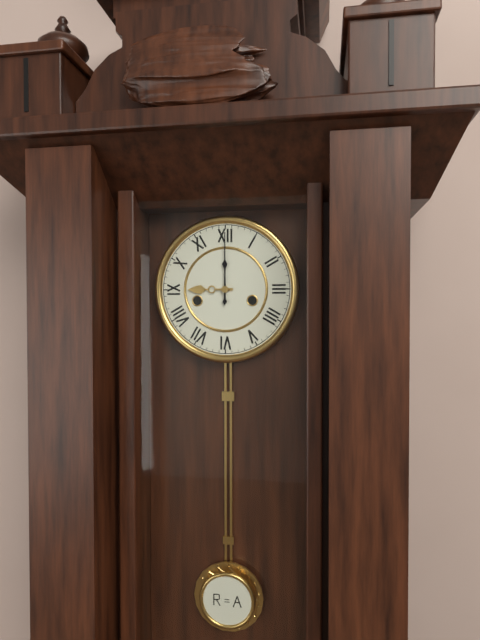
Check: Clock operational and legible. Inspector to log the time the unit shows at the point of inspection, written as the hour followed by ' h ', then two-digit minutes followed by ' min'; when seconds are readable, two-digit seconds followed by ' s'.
9 h 00 min
